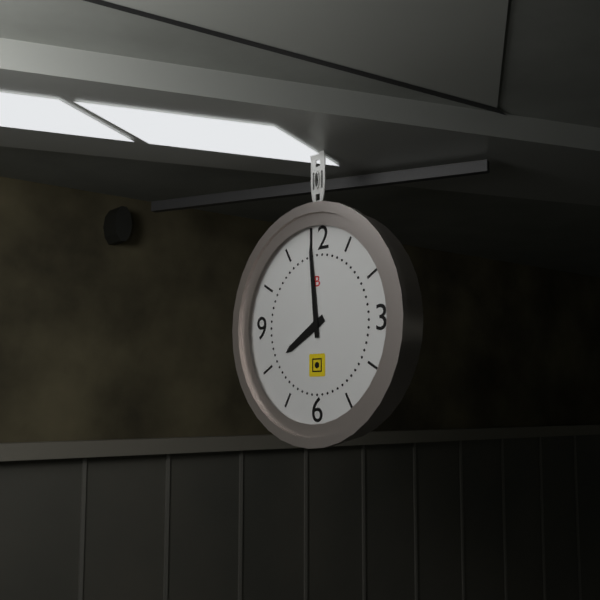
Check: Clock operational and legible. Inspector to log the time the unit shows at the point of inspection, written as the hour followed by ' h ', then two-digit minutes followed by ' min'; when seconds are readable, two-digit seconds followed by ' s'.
7 h 59 min
